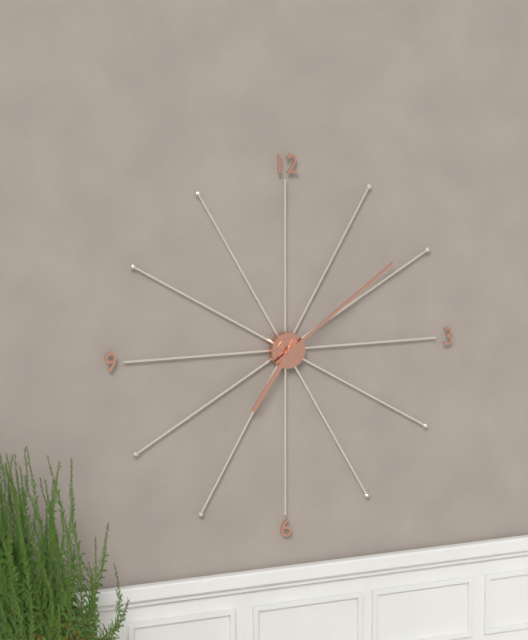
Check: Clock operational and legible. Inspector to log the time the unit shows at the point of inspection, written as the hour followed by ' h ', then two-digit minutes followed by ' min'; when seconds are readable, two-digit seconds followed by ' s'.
7 h 09 min
